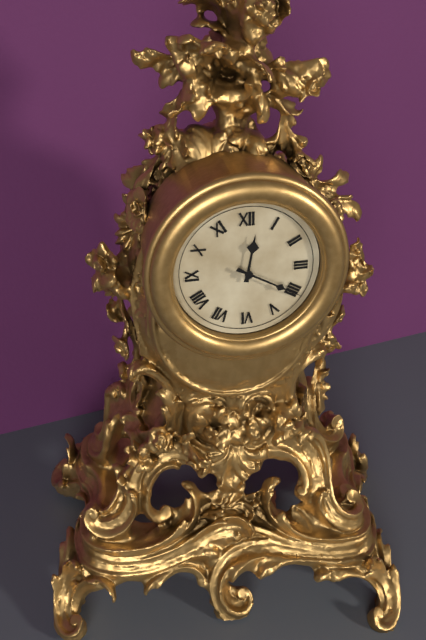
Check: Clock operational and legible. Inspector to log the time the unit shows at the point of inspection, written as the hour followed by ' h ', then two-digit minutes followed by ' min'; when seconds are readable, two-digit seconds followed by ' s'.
12 h 20 min
